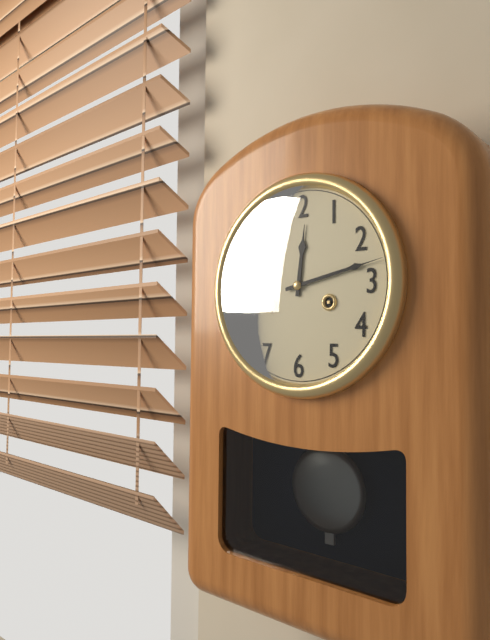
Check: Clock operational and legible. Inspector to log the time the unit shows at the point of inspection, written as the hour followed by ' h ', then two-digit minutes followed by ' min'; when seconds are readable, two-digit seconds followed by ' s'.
12 h 13 min
